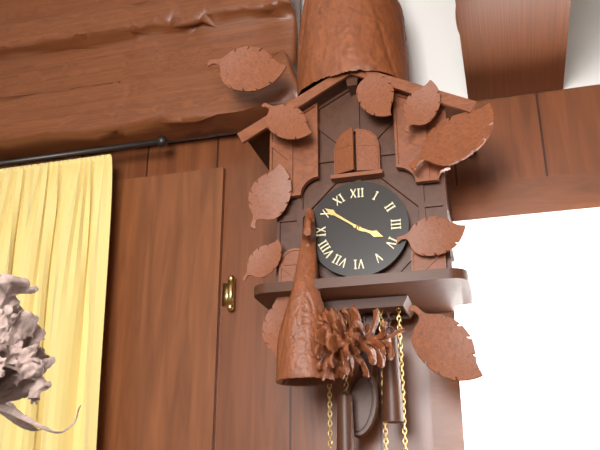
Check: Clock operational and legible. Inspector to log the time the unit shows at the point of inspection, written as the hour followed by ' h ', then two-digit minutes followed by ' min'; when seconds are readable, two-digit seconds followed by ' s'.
3 h 51 min
